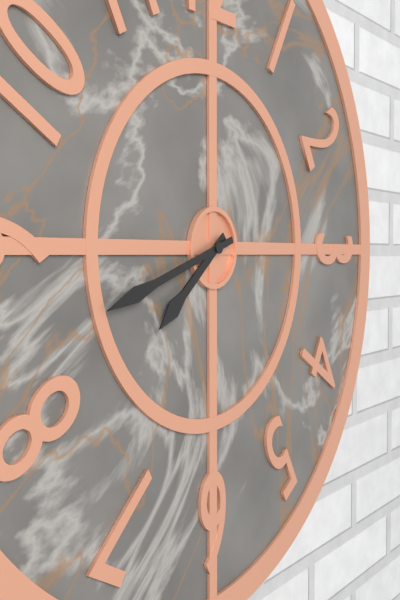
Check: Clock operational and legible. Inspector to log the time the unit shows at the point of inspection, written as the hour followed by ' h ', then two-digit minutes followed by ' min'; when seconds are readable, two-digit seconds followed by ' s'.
7 h 42 min
